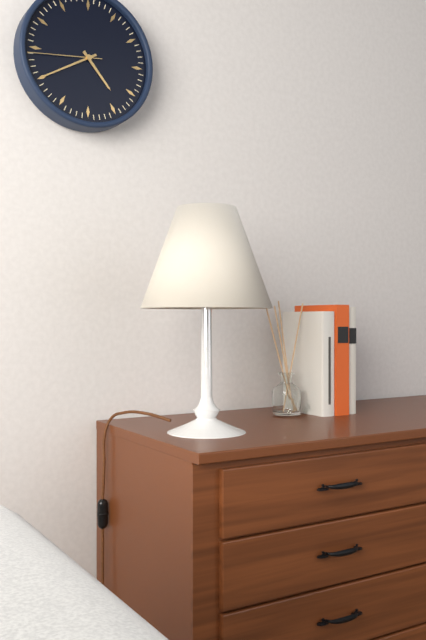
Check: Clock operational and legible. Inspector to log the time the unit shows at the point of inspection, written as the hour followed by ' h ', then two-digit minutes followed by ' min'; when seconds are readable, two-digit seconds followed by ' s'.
4 h 40 min 44 s
